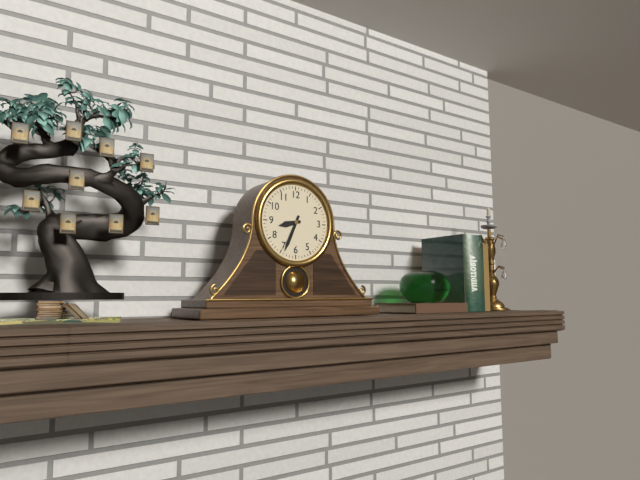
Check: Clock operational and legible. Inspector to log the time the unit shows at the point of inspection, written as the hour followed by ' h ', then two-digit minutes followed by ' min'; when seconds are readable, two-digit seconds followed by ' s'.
8 h 34 min
